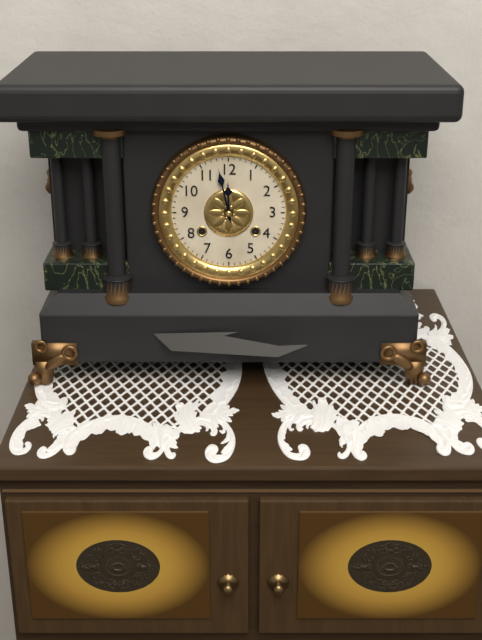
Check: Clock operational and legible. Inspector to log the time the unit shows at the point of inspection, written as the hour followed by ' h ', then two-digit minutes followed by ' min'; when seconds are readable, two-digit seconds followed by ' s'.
11 h 58 min
